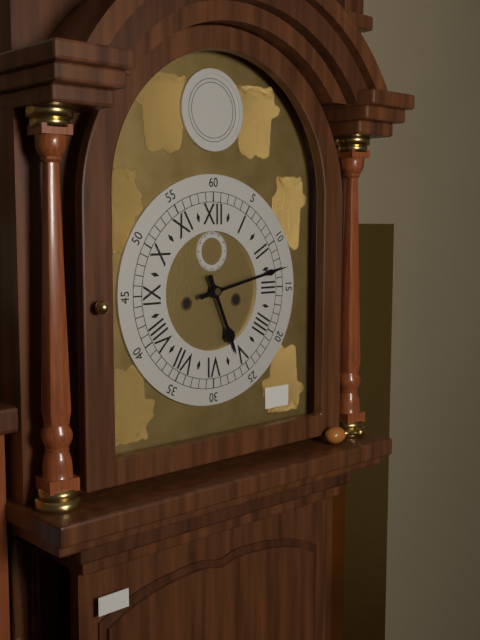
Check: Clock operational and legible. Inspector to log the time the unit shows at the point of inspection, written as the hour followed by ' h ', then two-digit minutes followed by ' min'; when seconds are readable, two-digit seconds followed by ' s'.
5 h 13 min
